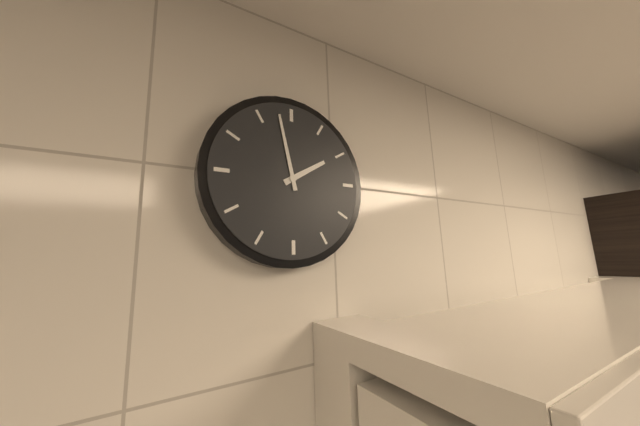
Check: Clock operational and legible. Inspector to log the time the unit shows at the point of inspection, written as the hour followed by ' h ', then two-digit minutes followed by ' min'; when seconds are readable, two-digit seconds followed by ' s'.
1 h 58 min
